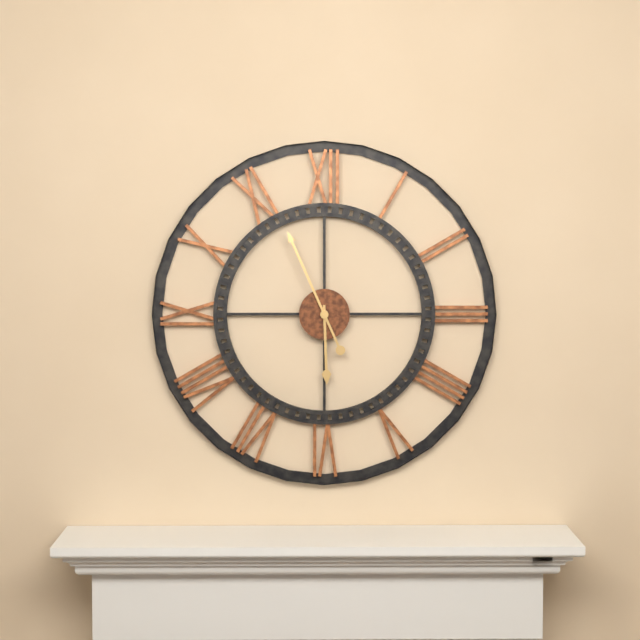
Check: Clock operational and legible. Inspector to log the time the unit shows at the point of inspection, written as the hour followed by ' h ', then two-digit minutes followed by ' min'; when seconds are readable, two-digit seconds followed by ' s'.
5 h 56 min
